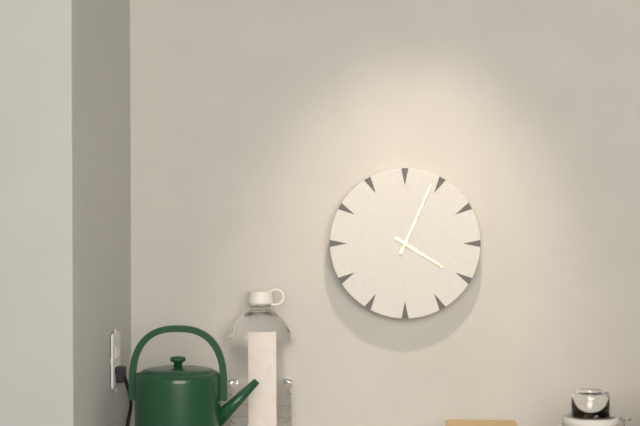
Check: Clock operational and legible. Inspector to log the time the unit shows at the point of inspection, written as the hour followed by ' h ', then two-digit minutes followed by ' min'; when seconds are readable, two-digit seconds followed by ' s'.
4 h 04 min
